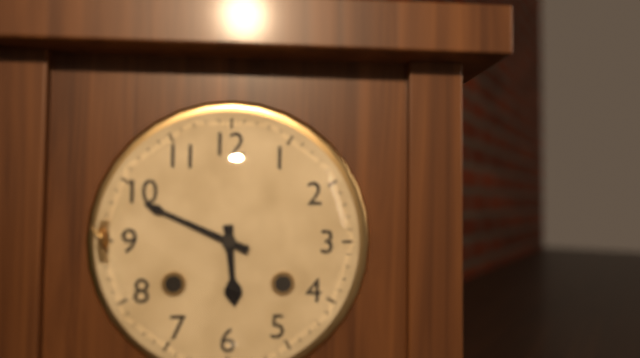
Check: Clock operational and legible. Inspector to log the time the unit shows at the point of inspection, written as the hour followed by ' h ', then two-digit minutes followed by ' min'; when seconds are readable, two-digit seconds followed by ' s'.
5 h 49 min
